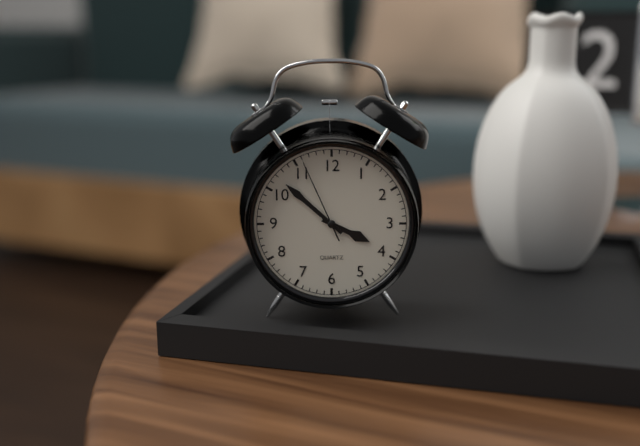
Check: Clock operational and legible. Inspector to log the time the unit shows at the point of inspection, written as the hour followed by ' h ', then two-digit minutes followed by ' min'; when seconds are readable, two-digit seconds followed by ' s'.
3 h 52 min 56 s
